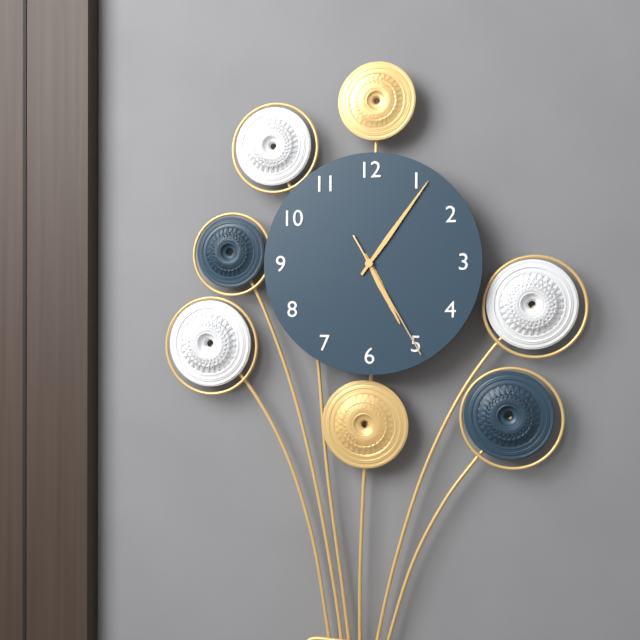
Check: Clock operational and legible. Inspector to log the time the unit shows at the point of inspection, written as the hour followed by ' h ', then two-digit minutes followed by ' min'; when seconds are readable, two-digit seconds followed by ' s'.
5 h 06 min 25 s
